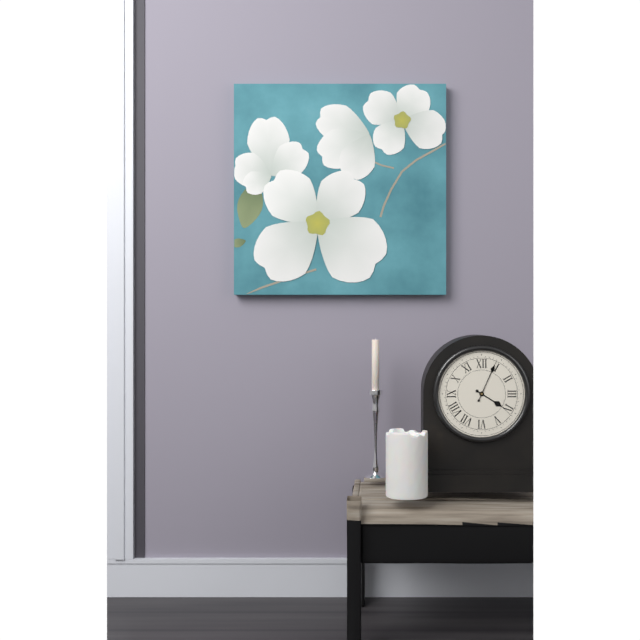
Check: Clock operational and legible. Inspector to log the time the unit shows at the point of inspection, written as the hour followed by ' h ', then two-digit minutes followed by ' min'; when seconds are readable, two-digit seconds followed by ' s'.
4 h 04 min
